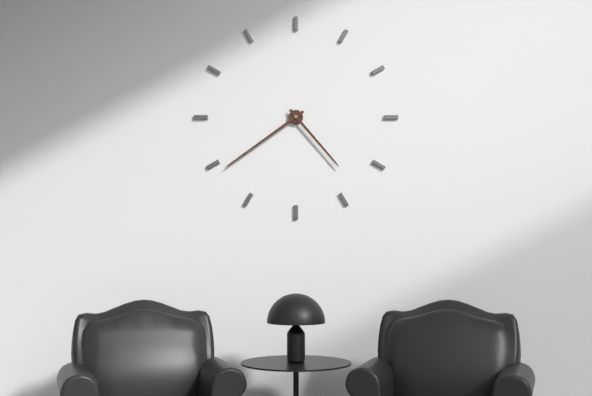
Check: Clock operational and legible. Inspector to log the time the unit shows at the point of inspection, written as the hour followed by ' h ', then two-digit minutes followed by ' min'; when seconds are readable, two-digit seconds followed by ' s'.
4 h 39 min
